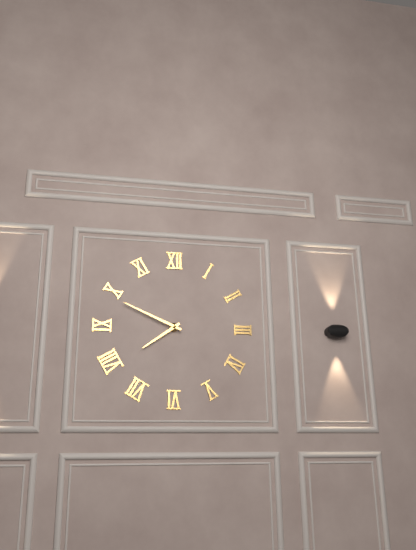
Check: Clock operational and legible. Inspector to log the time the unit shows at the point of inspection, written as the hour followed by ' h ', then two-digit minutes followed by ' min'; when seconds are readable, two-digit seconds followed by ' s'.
7 h 49 min
